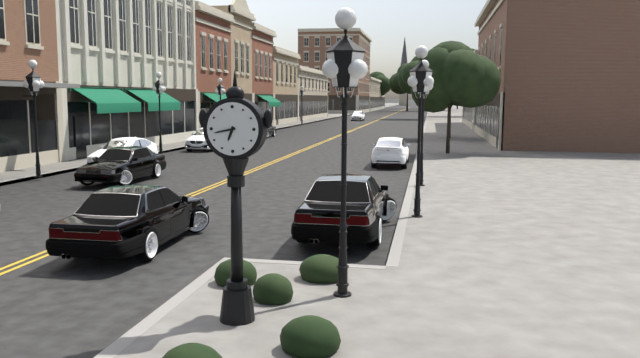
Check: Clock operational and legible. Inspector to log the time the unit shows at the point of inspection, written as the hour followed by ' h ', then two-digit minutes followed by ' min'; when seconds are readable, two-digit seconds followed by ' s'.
6 h 43 min
